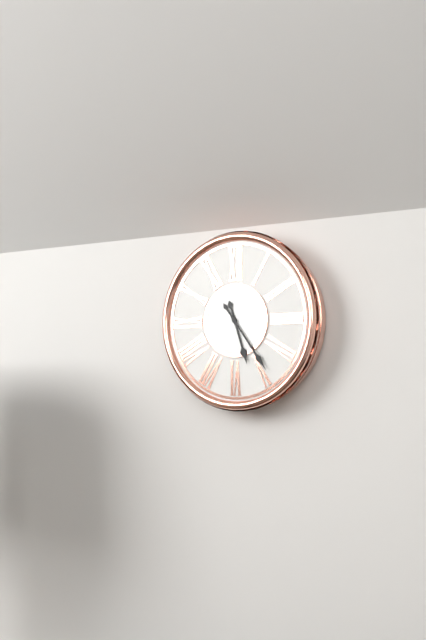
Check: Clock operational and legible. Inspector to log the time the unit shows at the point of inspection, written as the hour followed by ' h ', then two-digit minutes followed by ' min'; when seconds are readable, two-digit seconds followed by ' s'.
5 h 24 min
